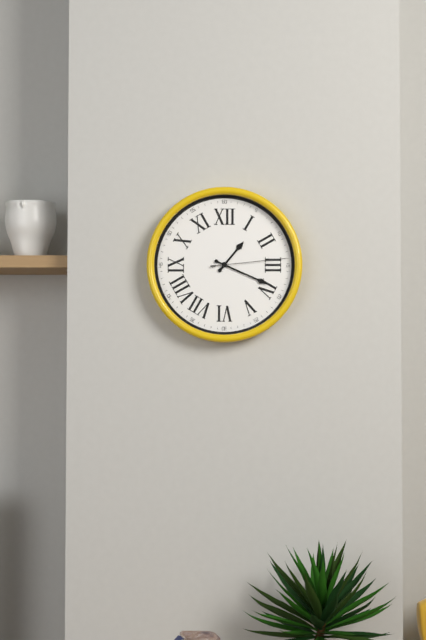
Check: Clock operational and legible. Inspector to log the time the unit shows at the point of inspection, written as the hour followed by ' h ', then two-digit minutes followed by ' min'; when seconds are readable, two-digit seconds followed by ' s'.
1 h 19 min 14 s
